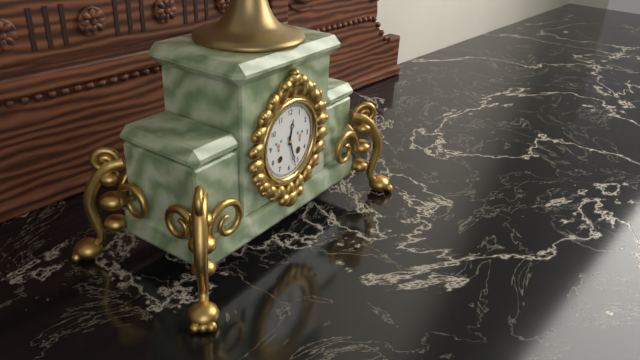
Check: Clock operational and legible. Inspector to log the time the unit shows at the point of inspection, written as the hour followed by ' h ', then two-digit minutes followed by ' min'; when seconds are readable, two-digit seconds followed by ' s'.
12 h 27 min
